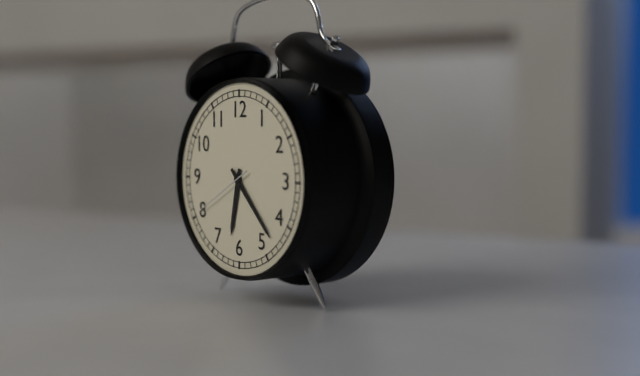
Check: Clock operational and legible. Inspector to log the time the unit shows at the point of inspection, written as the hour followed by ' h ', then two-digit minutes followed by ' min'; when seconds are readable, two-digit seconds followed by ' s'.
6 h 23 min 40 s
